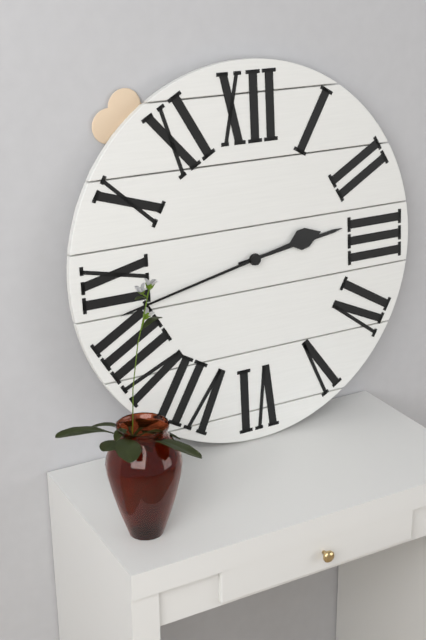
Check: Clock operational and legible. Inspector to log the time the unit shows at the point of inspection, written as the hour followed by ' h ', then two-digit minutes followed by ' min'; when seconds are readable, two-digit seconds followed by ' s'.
2 h 43 min
